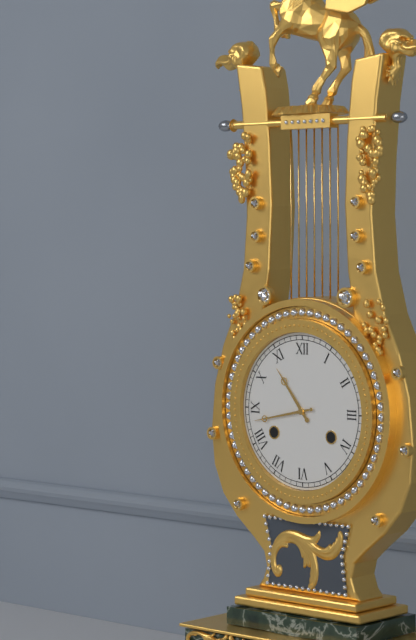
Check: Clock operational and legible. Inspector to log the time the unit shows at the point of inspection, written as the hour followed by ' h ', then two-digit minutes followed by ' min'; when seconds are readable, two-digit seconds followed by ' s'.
10 h 43 min
